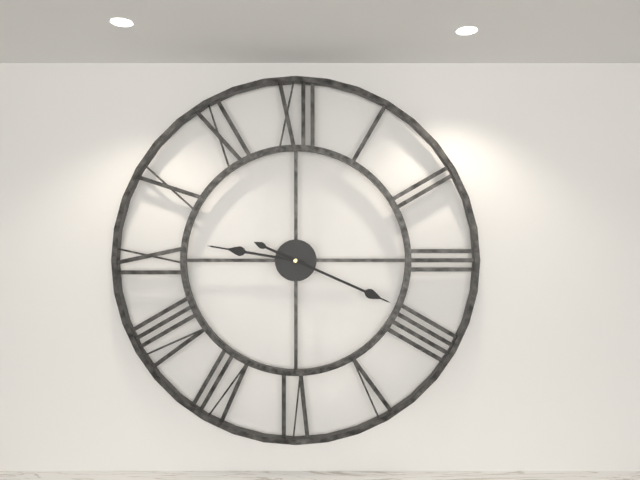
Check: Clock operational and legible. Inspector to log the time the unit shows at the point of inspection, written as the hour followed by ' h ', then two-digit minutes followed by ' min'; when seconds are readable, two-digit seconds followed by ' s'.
9 h 19 min
